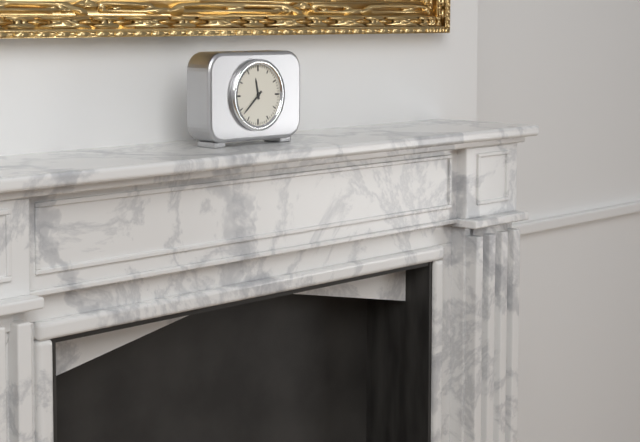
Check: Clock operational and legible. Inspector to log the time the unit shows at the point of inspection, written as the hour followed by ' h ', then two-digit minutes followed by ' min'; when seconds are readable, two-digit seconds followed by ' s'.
11 h 38 min
